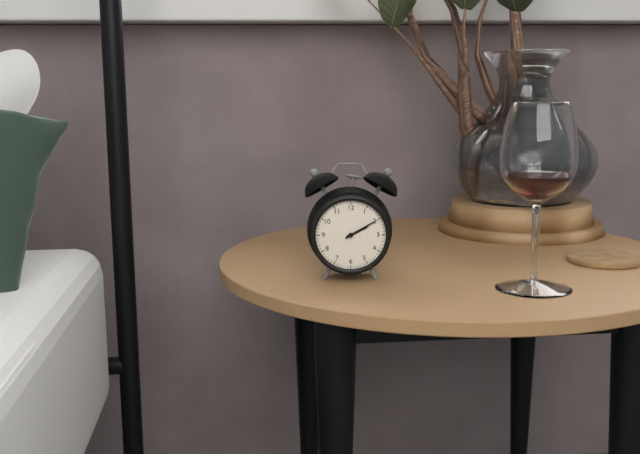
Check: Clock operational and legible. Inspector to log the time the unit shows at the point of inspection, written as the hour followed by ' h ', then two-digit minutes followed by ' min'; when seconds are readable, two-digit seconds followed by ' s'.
2 h 10 min
